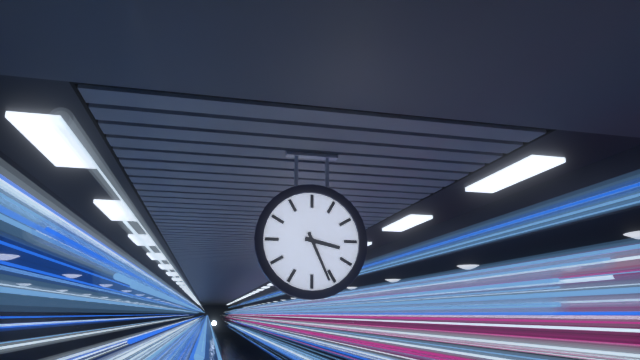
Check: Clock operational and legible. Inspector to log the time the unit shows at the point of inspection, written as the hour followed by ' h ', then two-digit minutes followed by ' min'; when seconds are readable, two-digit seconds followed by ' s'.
3 h 26 min
